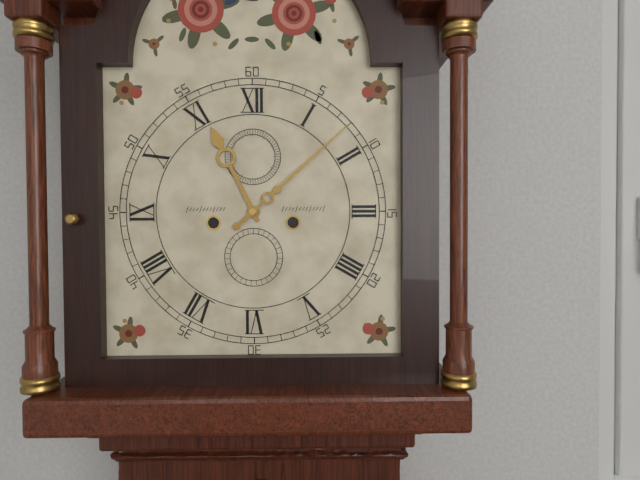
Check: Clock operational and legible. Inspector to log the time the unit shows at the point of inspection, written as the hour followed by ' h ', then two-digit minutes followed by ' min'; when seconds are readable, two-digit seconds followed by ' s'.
11 h 08 min
